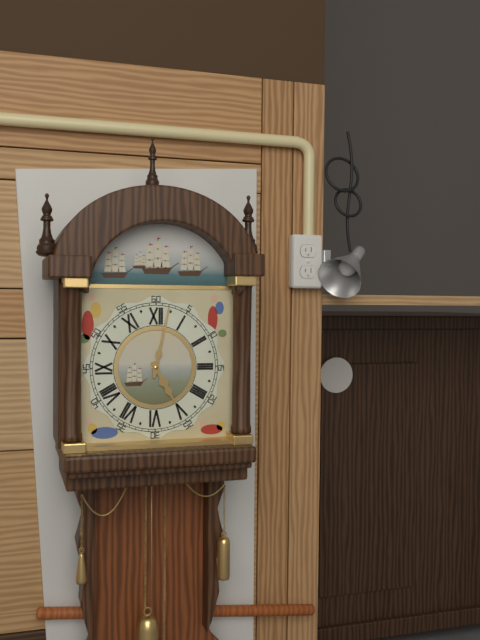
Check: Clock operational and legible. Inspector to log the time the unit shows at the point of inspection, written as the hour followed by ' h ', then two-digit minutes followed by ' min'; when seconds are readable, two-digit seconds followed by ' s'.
5 h 02 min
